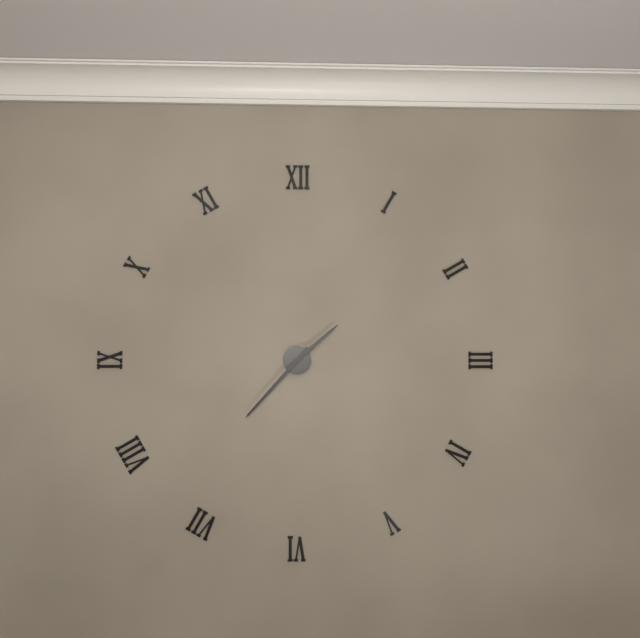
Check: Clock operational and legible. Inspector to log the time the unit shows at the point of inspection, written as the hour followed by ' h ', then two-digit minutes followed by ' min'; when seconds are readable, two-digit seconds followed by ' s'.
1 h 37 min
